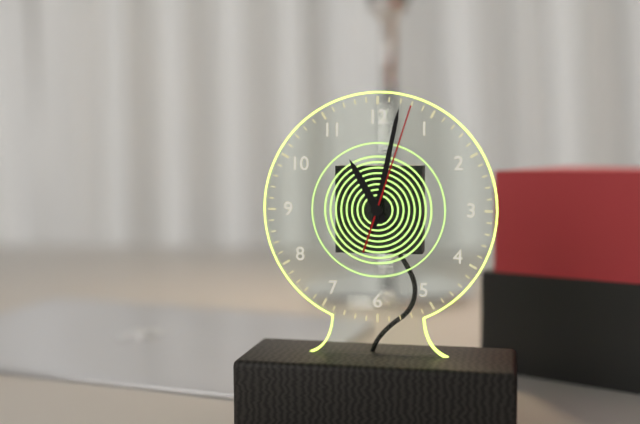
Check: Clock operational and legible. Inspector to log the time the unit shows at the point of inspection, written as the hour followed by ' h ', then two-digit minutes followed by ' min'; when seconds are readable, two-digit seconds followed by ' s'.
11 h 02 min 03 s
